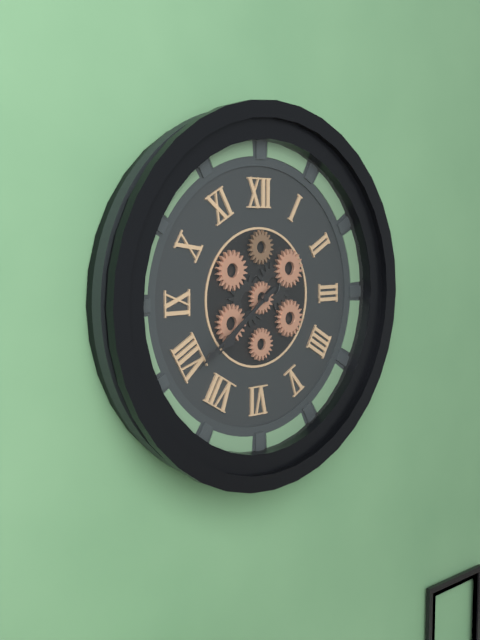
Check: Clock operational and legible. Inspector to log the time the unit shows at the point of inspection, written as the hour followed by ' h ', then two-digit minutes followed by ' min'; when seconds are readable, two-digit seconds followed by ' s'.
7 h 39 min
